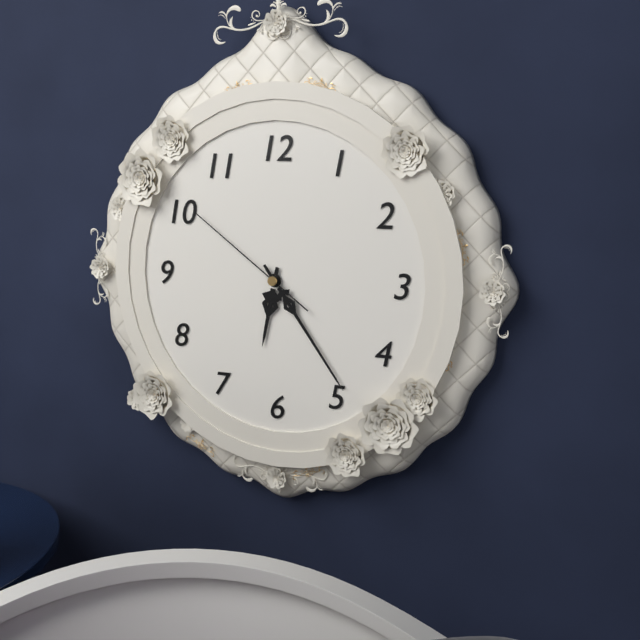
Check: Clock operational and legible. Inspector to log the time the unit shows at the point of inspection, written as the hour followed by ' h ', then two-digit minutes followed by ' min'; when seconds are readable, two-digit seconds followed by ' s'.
6 h 24 min 51 s
